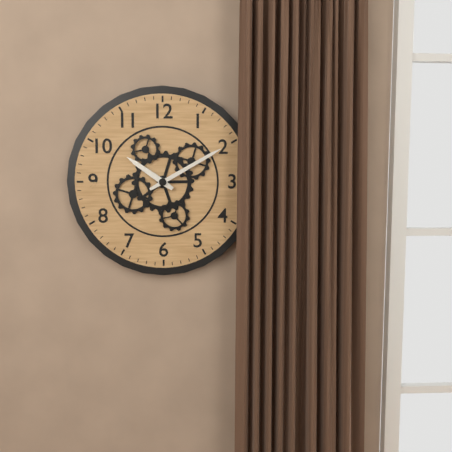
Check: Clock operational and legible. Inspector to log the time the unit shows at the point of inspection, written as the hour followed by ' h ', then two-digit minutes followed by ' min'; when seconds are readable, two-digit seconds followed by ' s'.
10 h 10 min
